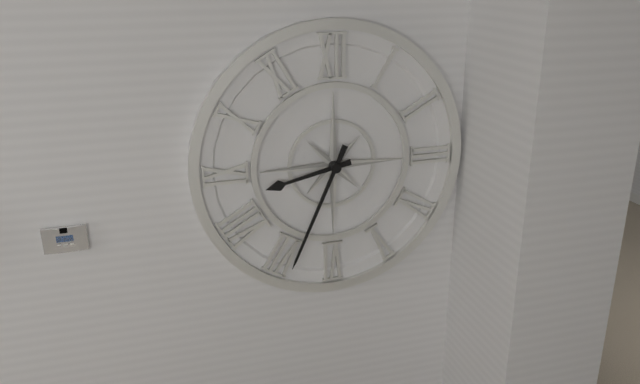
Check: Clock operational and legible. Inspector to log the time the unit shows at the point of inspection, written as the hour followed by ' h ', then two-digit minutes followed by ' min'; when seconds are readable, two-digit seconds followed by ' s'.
8 h 34 min
